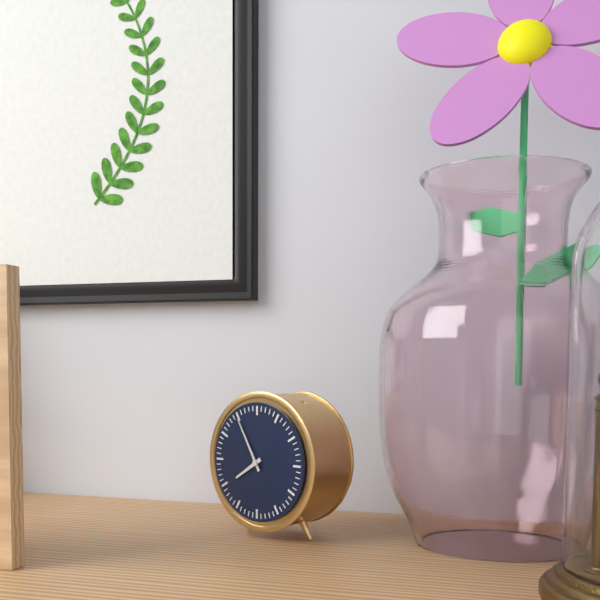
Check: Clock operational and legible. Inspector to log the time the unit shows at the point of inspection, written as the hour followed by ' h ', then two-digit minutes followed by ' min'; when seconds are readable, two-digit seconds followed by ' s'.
7 h 55 min
